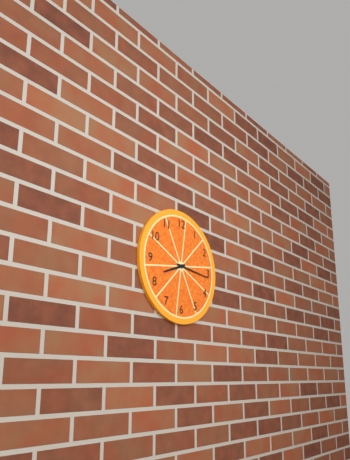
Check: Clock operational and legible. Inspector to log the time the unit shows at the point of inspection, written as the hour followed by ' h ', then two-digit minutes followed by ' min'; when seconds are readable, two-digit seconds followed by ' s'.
8 h 16 min
